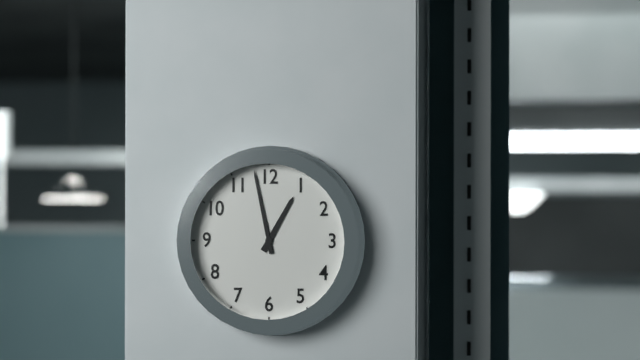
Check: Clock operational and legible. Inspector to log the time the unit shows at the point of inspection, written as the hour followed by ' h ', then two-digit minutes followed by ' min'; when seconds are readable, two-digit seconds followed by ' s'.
12 h 58 min
